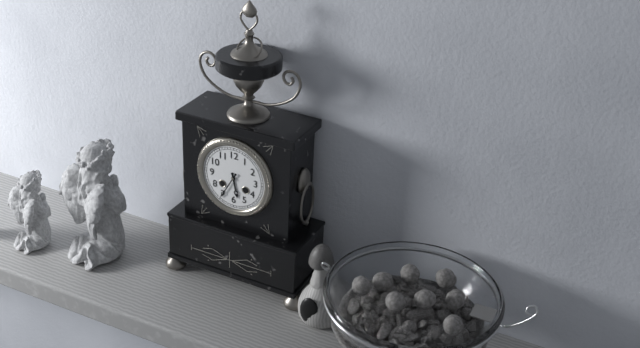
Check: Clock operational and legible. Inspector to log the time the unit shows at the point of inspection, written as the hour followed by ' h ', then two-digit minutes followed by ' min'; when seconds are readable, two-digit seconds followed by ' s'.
5 h 35 min
